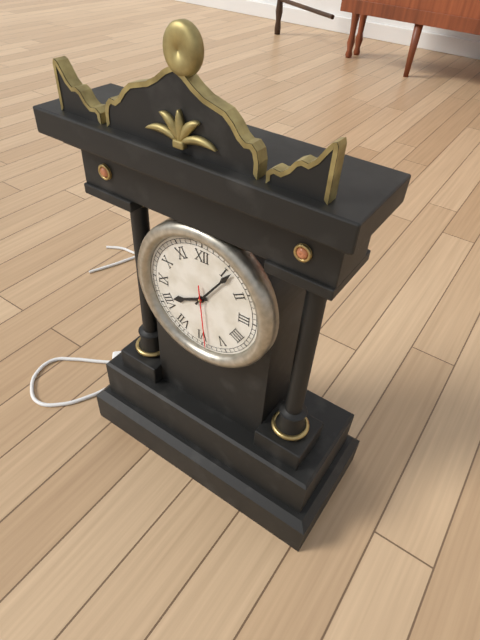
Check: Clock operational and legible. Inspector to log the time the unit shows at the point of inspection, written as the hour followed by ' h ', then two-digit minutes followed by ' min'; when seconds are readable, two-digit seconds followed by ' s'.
8 h 06 min 29 s
